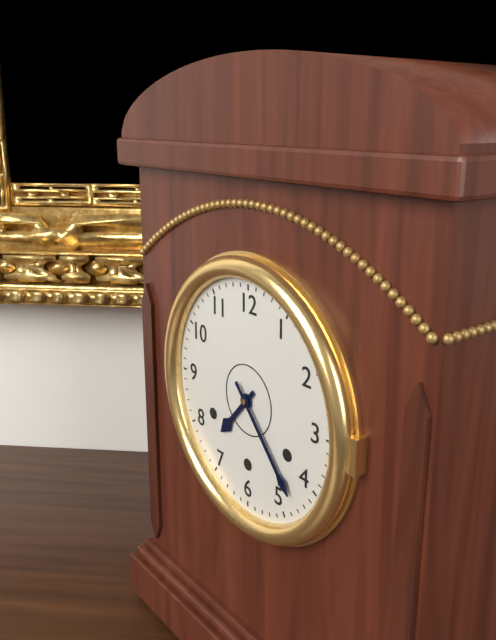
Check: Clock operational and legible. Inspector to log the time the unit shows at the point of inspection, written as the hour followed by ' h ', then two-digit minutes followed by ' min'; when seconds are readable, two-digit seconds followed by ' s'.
7 h 23 min
